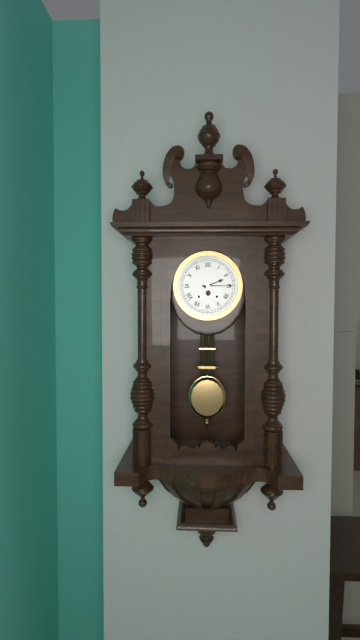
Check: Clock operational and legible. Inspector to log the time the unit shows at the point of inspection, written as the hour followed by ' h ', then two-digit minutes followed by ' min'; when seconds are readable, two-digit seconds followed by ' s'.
2 h 15 min
